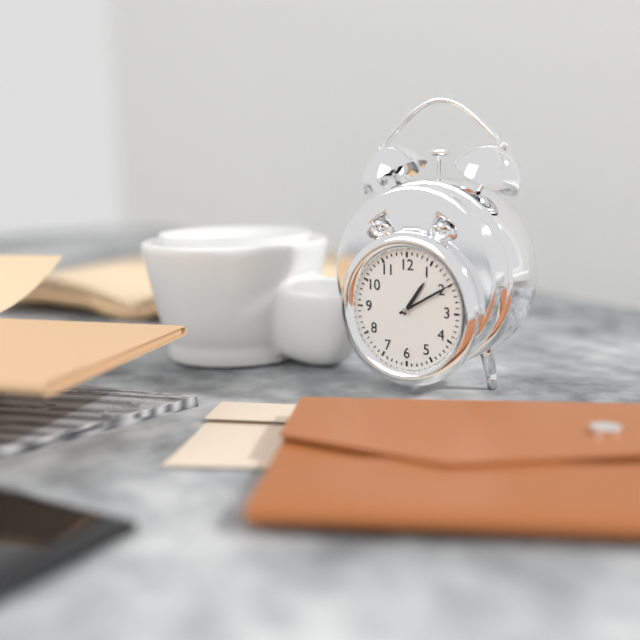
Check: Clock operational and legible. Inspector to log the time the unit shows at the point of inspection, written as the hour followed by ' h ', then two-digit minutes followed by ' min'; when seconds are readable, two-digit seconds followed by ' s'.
1 h 10 min
